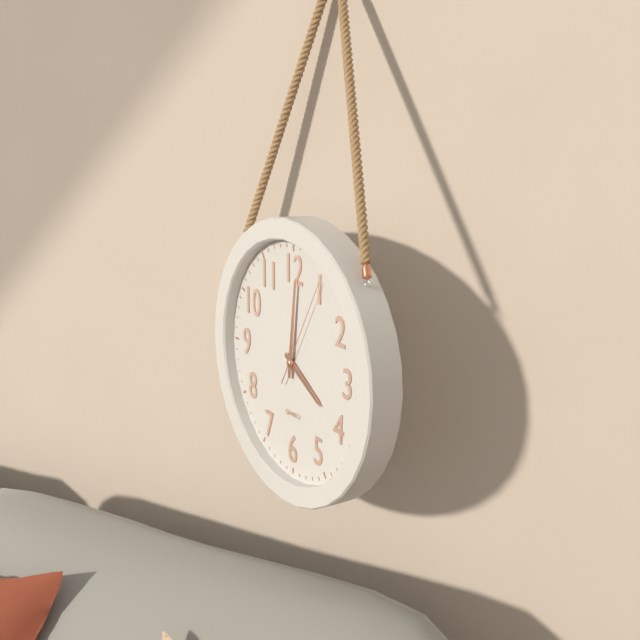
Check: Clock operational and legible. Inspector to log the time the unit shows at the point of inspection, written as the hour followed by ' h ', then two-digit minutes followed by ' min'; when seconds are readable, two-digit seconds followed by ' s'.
4 h 01 min 05 s
